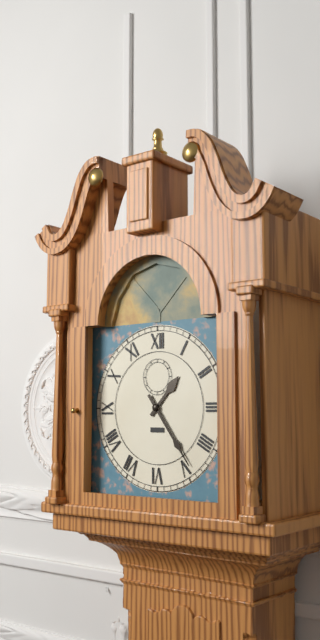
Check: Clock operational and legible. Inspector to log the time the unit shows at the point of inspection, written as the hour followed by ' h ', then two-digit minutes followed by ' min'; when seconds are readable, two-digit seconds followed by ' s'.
1 h 24 min
